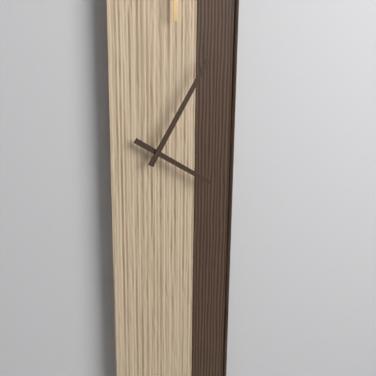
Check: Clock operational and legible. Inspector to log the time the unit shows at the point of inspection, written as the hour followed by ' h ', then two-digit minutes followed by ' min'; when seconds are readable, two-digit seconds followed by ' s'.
4 h 05 min
